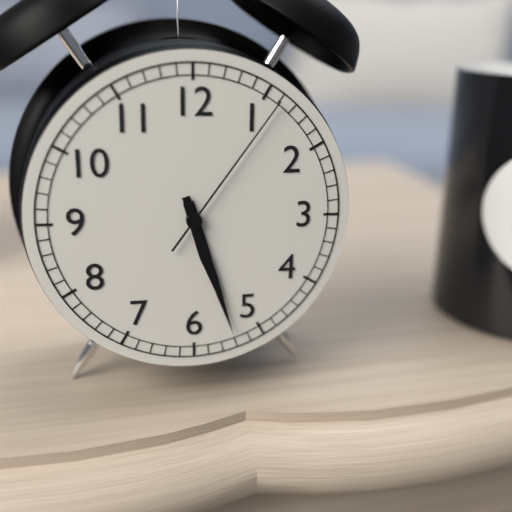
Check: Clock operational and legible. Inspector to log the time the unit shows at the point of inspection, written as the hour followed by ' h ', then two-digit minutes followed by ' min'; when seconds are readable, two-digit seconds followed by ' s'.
5 h 27 min 06 s
